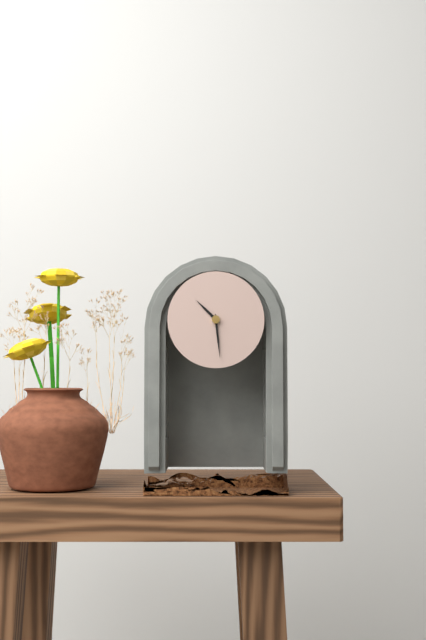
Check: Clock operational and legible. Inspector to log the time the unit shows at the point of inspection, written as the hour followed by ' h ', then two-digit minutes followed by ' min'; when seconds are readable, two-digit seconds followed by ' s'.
10 h 29 min
